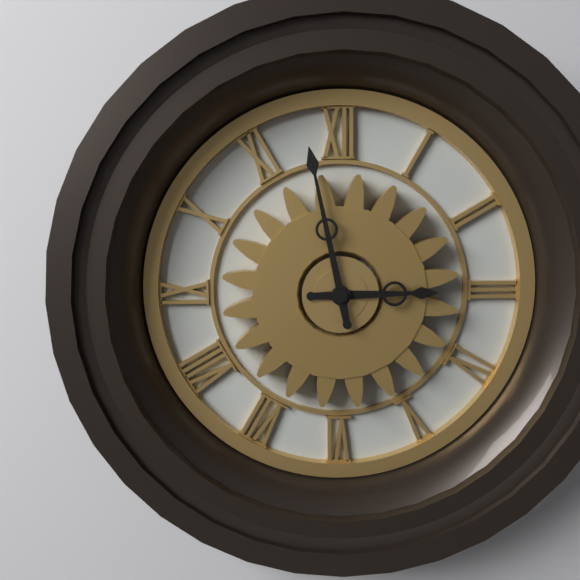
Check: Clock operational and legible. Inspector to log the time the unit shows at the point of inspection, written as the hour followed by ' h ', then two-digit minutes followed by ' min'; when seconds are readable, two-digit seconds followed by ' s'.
2 h 58 min
